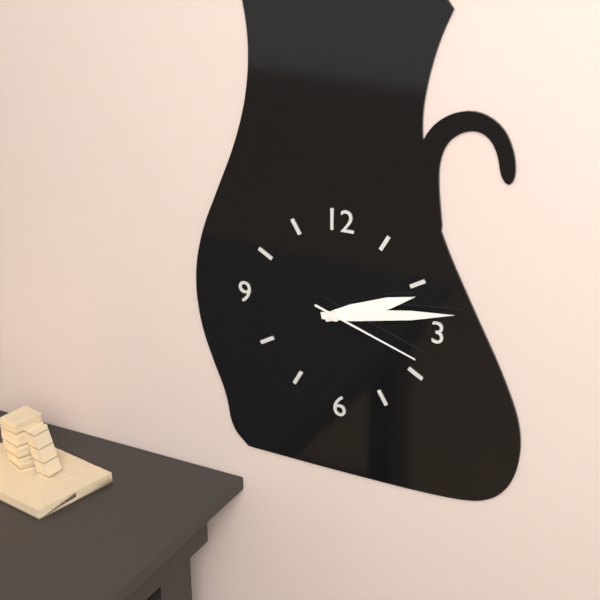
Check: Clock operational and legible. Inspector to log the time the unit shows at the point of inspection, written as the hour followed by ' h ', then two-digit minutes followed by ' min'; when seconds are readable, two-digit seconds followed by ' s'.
2 h 13 min 18 s
